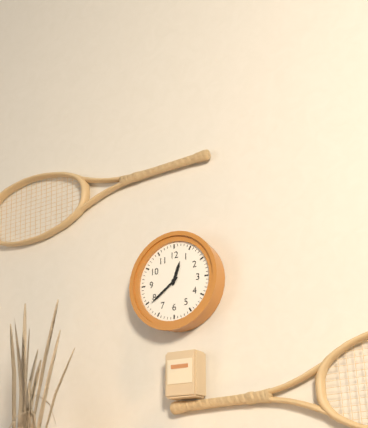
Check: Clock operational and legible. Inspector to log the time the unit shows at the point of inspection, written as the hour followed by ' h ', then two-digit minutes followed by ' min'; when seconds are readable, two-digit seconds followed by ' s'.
12 h 39 min
